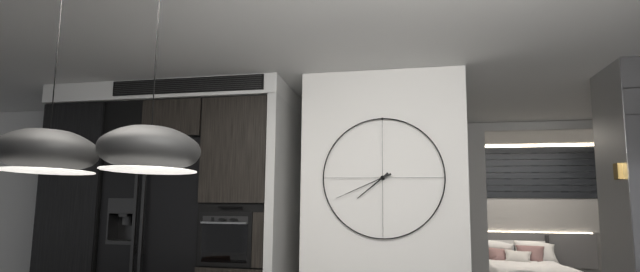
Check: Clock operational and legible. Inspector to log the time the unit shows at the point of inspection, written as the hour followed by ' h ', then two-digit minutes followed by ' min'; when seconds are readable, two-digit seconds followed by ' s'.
7 h 41 min
